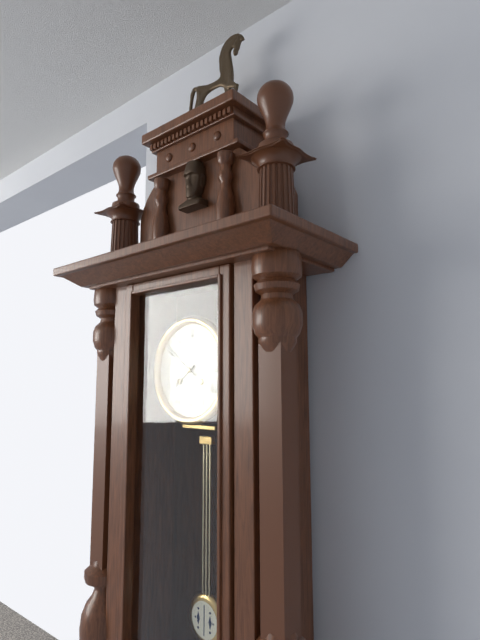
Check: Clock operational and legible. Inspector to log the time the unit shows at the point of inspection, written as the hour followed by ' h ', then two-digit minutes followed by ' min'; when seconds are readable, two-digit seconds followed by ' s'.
7 h 51 min
